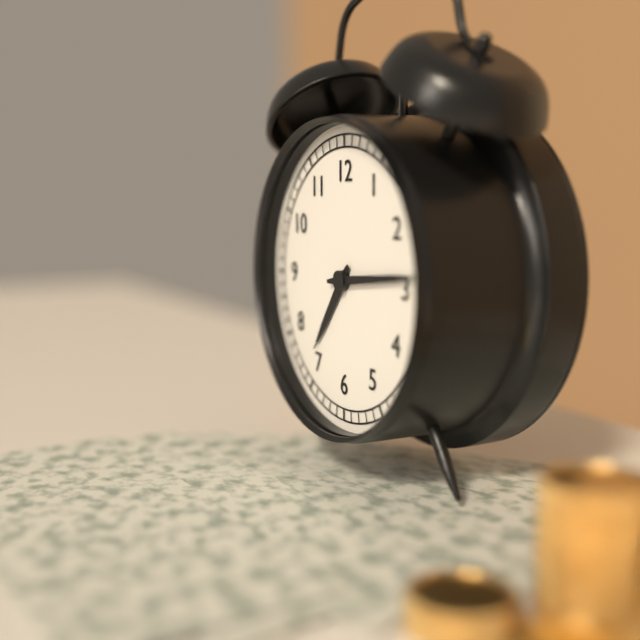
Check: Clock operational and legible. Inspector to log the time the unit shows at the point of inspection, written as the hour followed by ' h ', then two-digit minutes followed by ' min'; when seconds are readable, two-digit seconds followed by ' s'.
7 h 14 min
